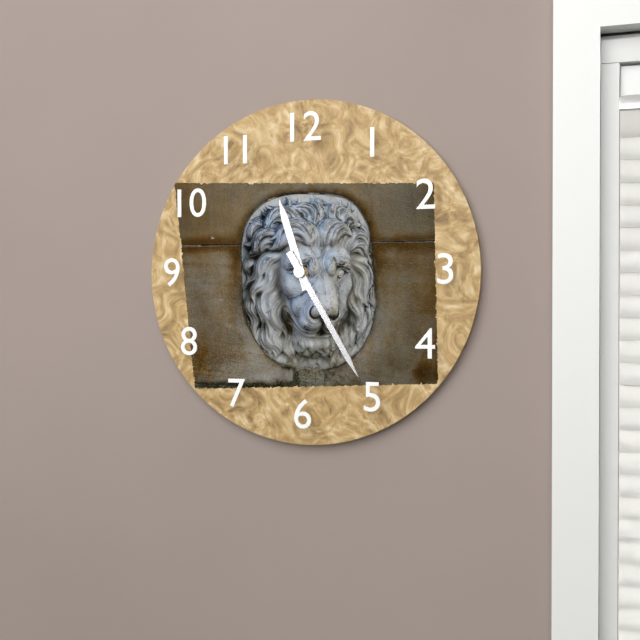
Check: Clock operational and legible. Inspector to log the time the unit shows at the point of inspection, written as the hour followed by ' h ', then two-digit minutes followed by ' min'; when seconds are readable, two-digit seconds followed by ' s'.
11 h 25 min
